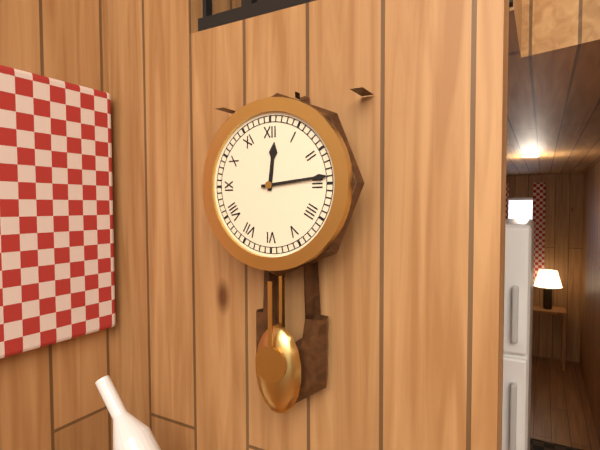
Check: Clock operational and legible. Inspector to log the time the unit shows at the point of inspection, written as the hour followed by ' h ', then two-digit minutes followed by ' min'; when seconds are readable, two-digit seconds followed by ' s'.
12 h 14 min
